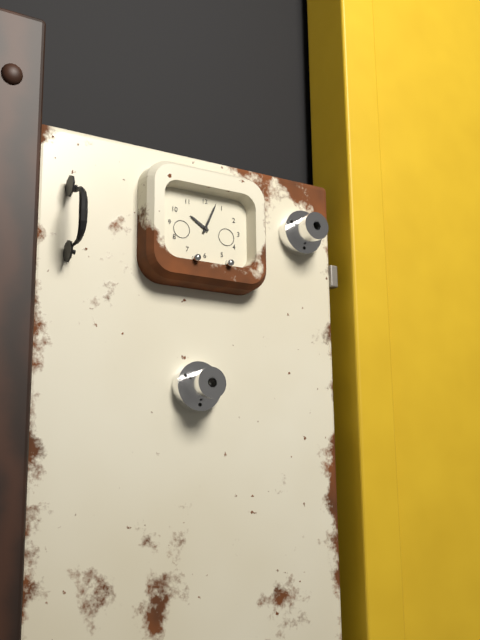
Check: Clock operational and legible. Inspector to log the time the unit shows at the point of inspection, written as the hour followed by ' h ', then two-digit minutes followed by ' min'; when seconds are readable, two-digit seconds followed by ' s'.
10 h 04 min
